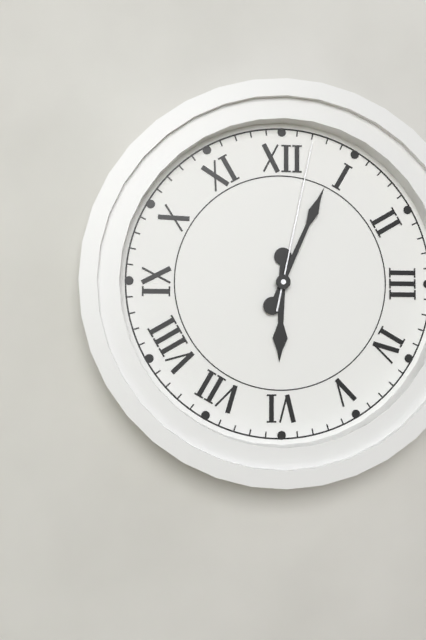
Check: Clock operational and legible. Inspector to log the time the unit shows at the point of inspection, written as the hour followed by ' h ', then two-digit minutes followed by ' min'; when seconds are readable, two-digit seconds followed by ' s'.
6 h 04 min 02 s
